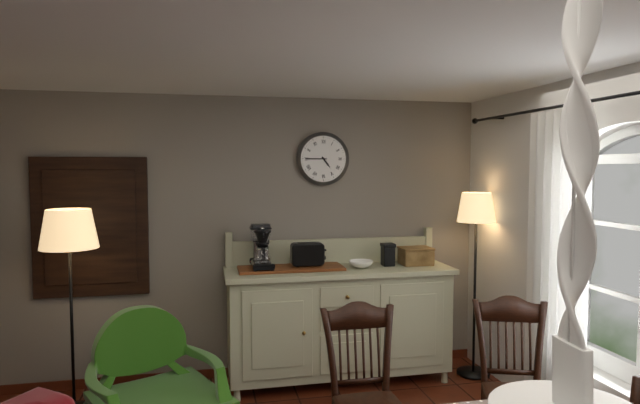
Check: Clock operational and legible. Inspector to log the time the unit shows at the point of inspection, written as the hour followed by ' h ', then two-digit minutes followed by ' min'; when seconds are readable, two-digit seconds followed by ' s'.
4 h 45 min
